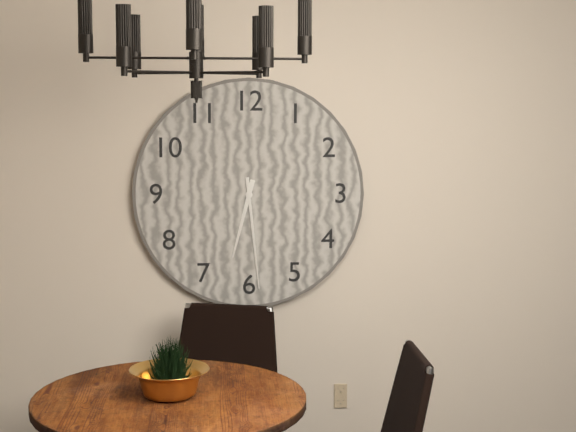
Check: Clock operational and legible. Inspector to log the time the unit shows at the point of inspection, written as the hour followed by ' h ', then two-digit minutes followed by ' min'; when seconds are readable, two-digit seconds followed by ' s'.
6 h 29 min
